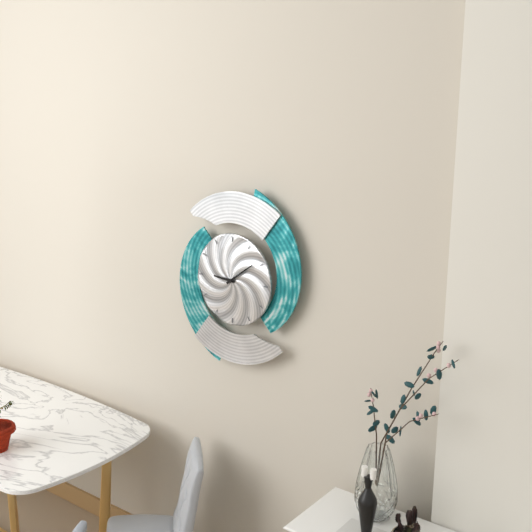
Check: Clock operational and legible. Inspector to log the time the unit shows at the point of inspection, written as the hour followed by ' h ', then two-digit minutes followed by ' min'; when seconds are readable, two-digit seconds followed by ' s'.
9 h 09 min
